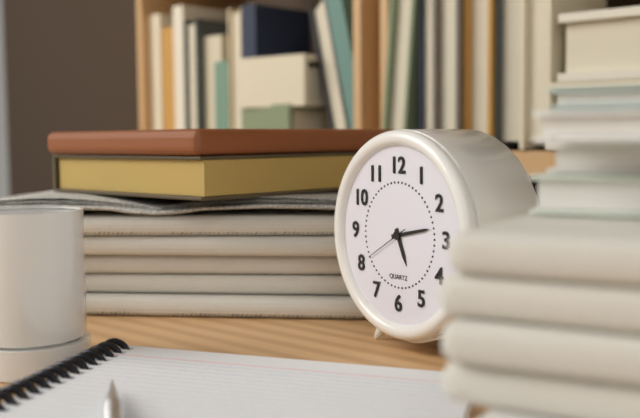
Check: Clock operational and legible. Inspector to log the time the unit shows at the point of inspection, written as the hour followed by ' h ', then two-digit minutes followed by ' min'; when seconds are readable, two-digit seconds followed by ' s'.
5 h 13 min
